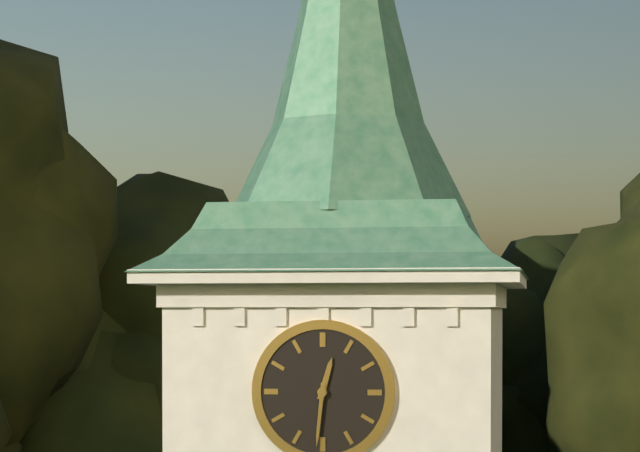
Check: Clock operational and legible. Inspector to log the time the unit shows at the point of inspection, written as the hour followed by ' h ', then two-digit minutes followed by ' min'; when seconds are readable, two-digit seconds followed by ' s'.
12 h 31 min
